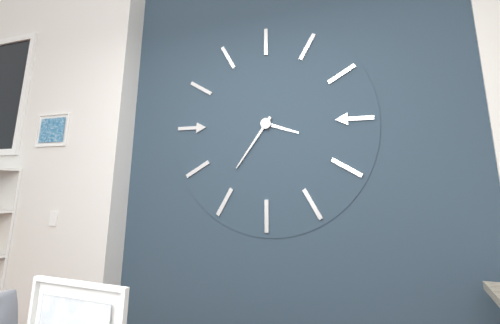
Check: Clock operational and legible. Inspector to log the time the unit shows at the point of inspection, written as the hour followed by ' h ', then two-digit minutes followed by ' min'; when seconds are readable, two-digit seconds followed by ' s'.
3 h 36 min
